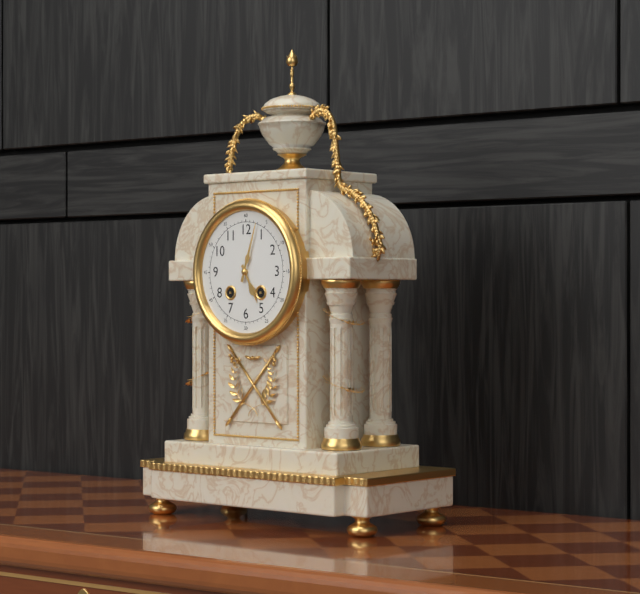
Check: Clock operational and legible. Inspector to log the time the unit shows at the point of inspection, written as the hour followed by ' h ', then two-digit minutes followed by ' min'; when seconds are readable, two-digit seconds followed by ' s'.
5 h 03 min
